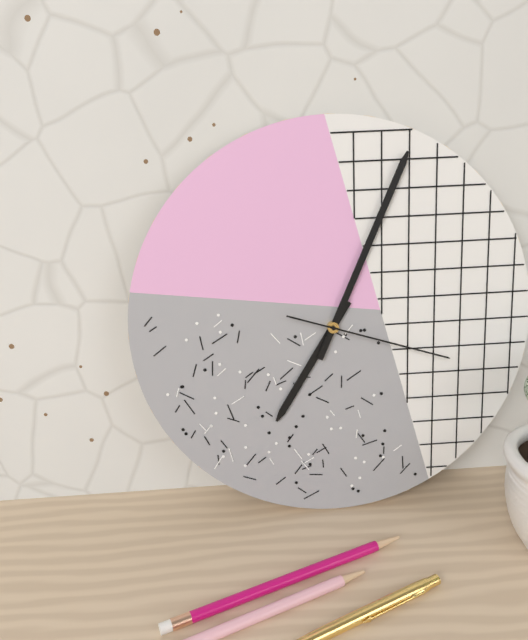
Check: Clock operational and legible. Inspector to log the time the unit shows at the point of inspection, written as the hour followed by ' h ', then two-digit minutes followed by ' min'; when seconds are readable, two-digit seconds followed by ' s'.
7 h 04 min 18 s
